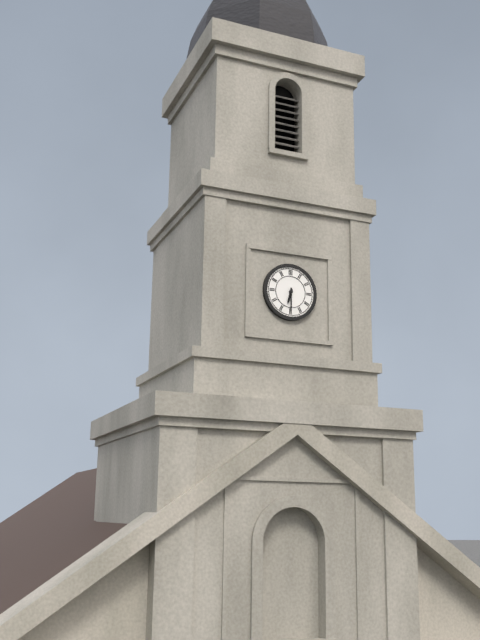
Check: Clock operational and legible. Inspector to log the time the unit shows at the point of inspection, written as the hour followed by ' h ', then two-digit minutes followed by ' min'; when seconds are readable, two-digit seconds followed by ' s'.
6 h 30 min
